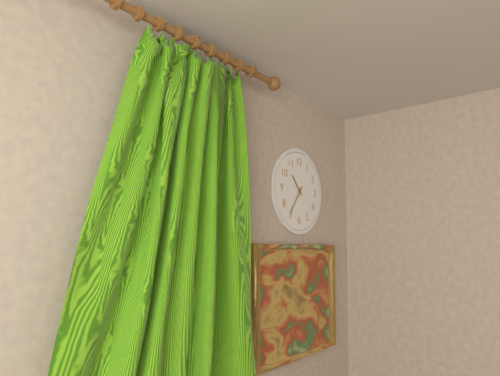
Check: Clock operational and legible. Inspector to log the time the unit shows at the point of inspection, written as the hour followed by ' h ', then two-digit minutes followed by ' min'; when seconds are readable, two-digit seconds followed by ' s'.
10 h 36 min
